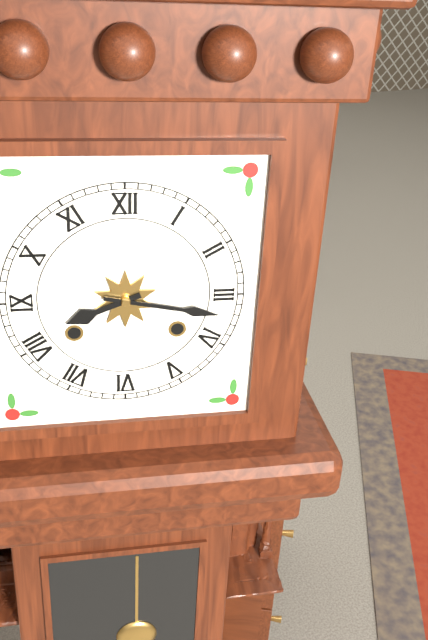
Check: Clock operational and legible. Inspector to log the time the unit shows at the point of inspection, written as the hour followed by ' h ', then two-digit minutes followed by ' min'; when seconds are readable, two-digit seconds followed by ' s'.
8 h 17 min
